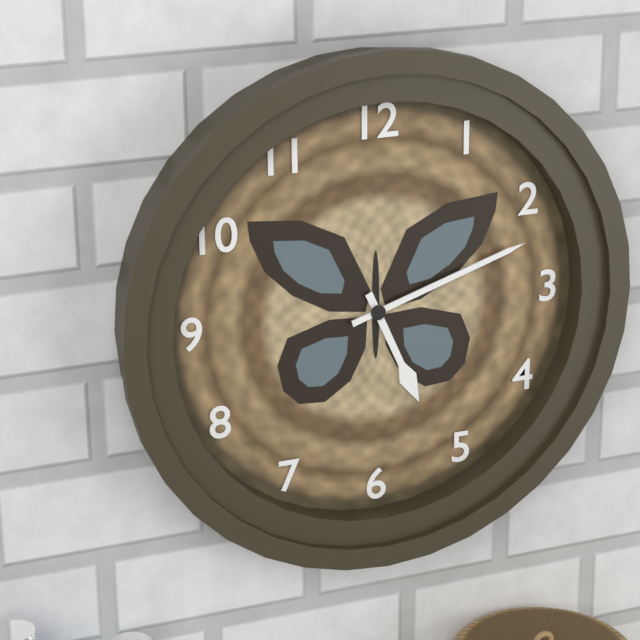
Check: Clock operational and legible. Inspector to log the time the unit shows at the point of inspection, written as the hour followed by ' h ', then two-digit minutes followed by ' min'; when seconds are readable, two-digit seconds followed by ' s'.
5 h 12 min
